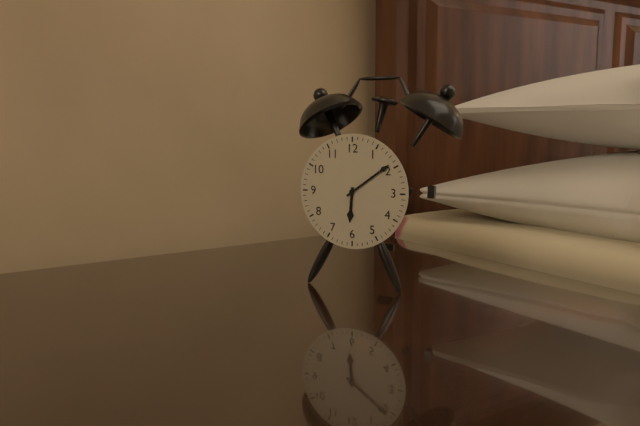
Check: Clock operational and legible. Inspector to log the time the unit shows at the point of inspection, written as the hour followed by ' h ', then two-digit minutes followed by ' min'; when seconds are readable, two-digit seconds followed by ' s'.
6 h 09 min
